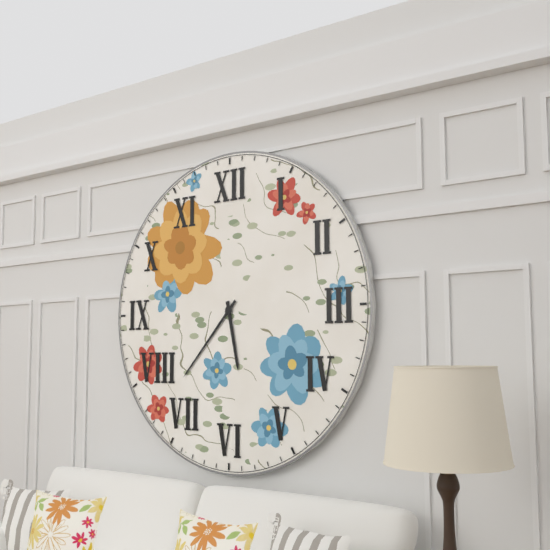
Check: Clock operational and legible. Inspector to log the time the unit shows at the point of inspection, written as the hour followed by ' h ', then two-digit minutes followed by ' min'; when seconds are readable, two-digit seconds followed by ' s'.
5 h 37 min
